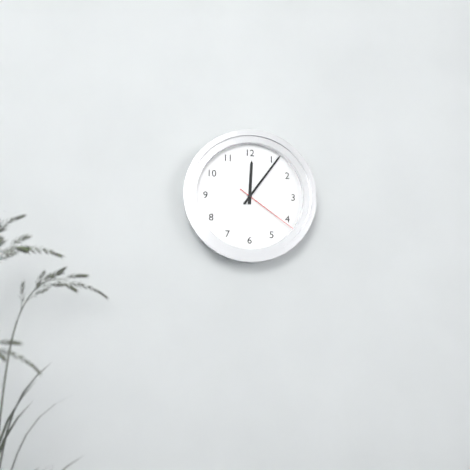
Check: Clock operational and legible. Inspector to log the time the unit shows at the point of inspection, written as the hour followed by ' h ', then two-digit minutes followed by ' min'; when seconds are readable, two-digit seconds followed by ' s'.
12 h 06 min 21 s
